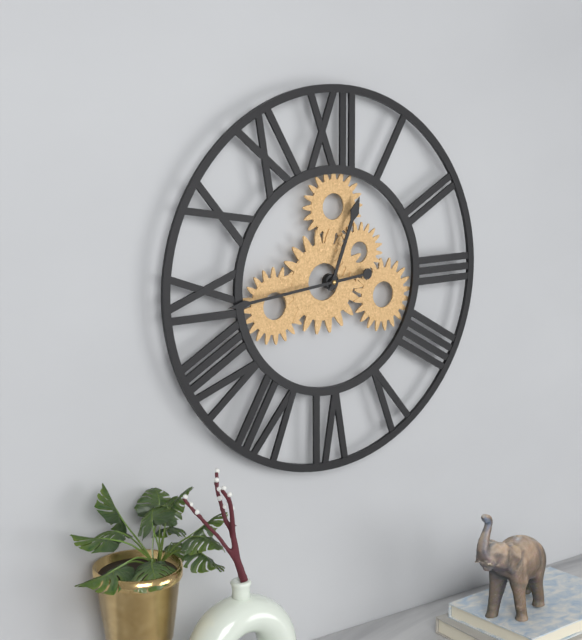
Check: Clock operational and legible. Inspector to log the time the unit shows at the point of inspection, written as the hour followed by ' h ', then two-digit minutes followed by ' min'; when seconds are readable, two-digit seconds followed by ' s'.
12 h 44 min
